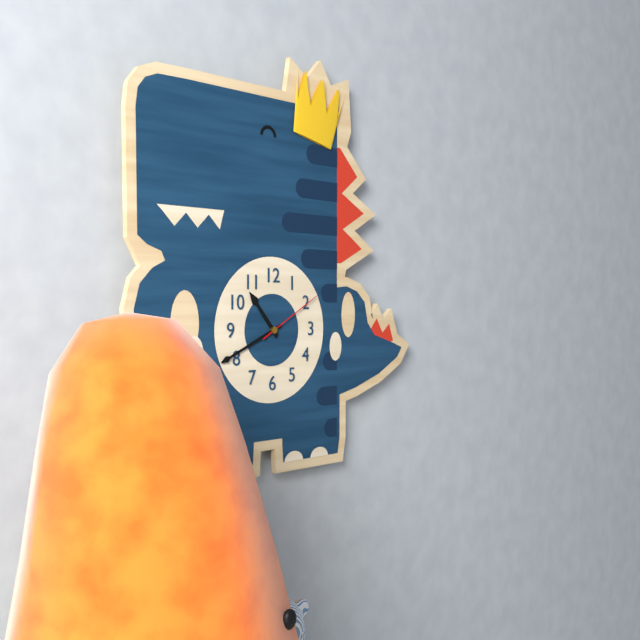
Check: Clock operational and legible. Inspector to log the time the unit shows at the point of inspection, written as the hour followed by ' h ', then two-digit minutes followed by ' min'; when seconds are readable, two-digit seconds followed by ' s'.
10 h 41 min 10 s
